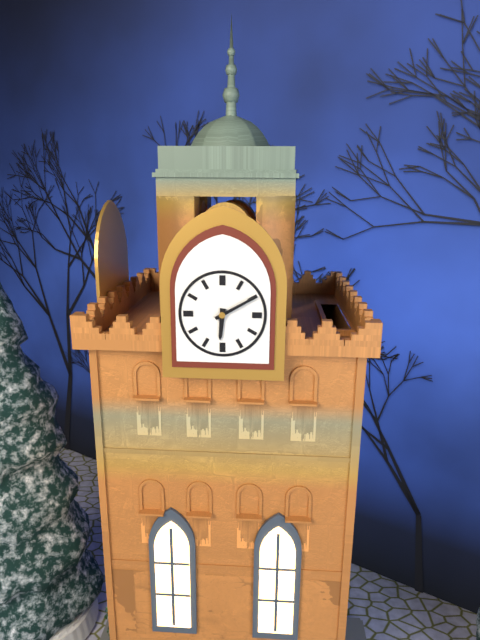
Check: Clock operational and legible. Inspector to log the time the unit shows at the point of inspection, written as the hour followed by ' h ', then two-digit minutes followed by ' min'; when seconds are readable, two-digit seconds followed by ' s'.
6 h 10 min
